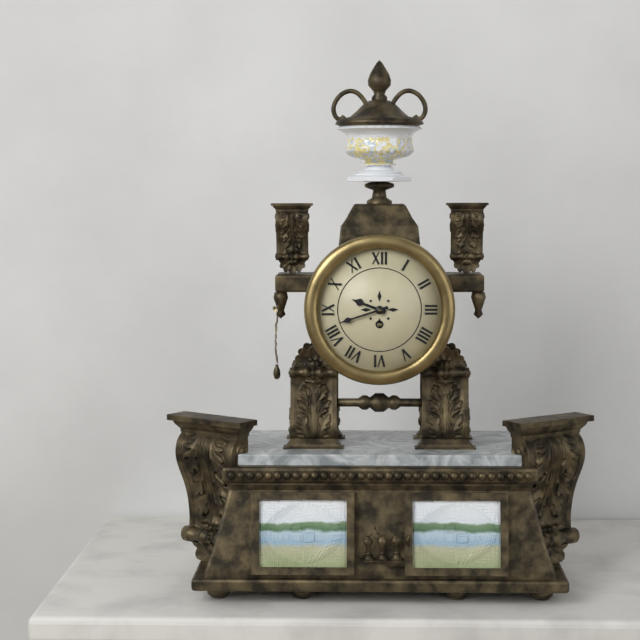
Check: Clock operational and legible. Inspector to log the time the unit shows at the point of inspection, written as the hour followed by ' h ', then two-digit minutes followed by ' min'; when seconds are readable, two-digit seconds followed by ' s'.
9 h 42 min
